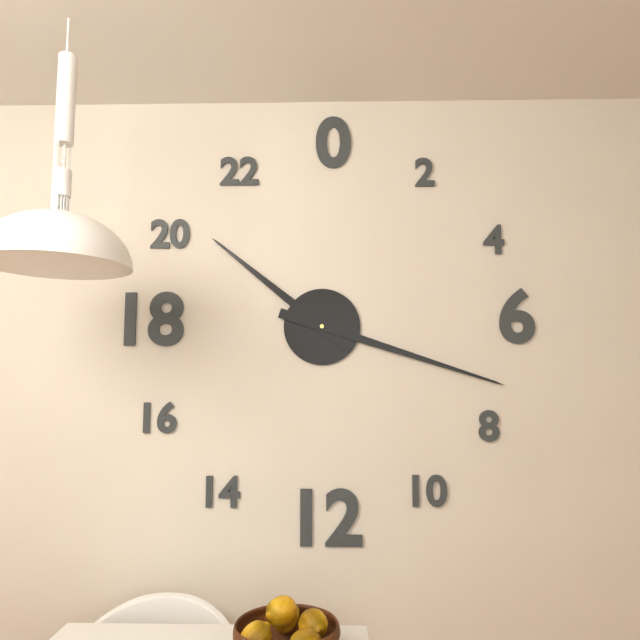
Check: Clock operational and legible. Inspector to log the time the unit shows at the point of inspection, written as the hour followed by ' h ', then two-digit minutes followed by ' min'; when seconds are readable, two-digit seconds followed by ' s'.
10 h 18 min
